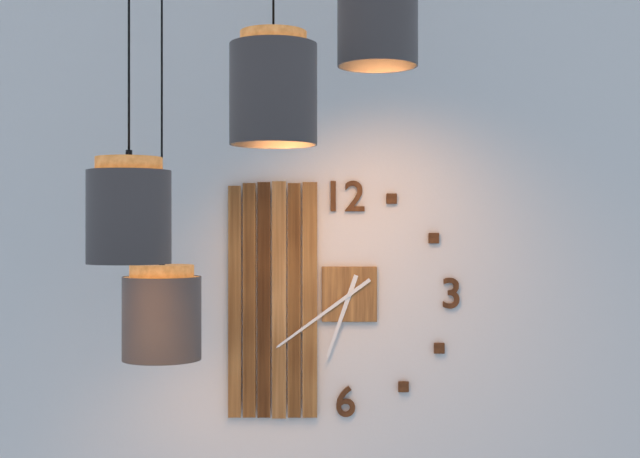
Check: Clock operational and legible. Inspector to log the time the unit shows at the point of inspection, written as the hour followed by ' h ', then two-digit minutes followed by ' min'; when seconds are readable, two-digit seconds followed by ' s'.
6 h 39 min
